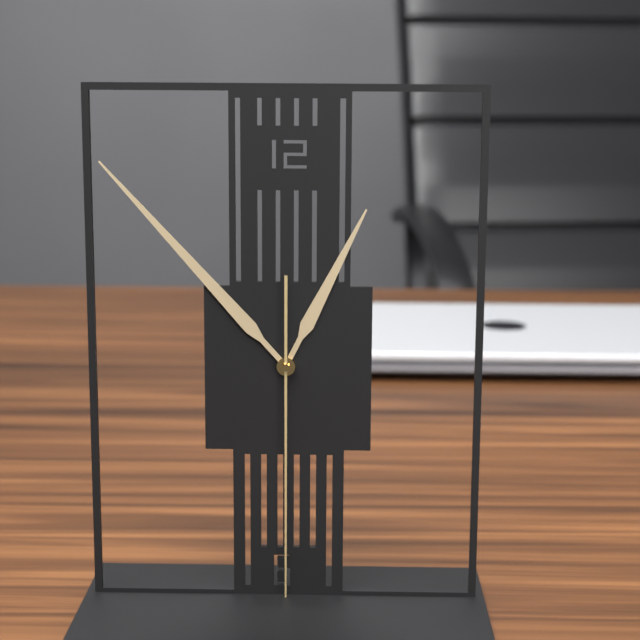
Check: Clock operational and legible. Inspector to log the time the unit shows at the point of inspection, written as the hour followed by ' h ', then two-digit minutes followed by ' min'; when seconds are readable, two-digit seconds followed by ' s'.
12 h 53 min
